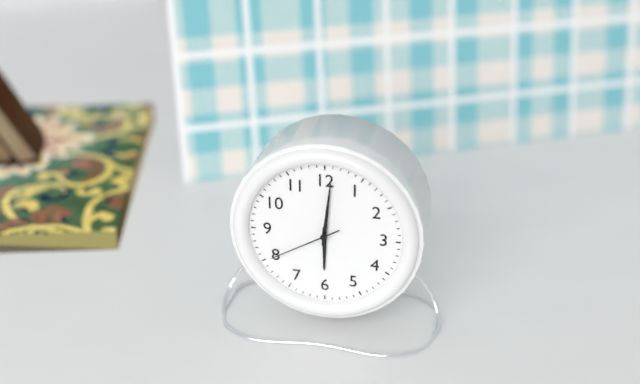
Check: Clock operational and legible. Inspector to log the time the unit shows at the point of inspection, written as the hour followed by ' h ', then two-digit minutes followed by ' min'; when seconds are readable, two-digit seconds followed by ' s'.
6 h 01 min 40 s
